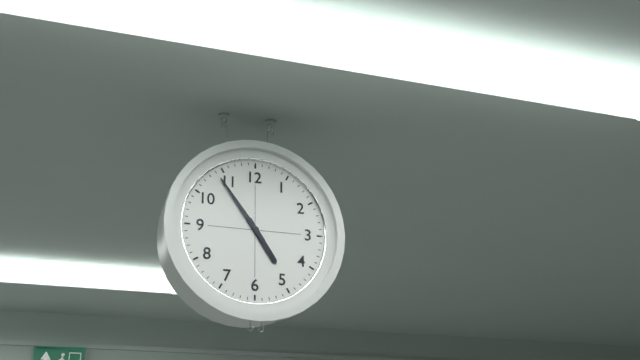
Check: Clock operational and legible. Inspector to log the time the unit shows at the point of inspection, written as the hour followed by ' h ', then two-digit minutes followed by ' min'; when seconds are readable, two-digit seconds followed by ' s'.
4 h 54 min
